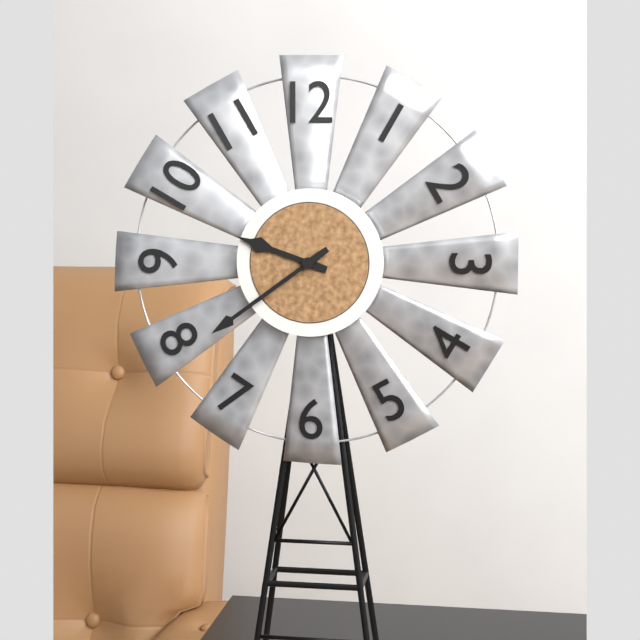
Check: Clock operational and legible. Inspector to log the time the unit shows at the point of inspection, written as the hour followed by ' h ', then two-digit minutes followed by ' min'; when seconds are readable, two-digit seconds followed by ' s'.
9 h 39 min
